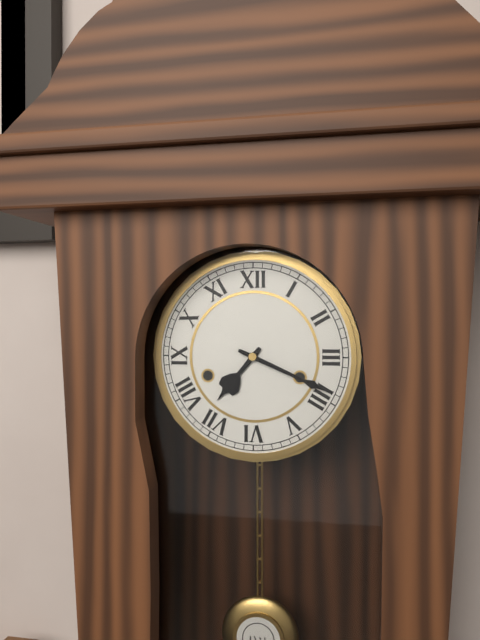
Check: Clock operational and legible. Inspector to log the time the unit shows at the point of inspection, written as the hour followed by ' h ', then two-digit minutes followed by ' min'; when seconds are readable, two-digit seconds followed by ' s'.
7 h 19 min
